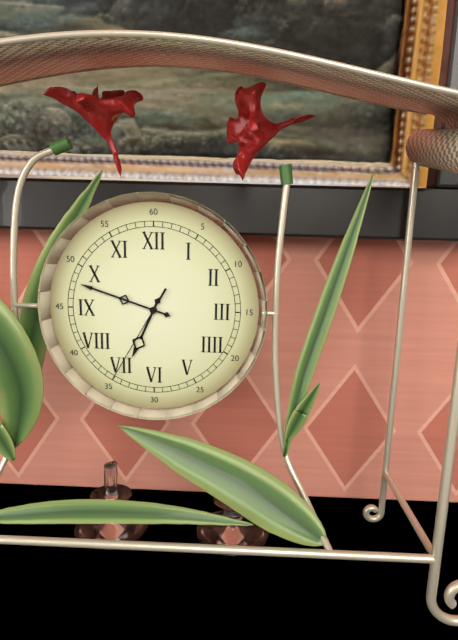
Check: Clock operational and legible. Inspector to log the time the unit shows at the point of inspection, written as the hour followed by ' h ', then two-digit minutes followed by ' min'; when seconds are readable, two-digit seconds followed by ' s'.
6 h 48 min 35 s
